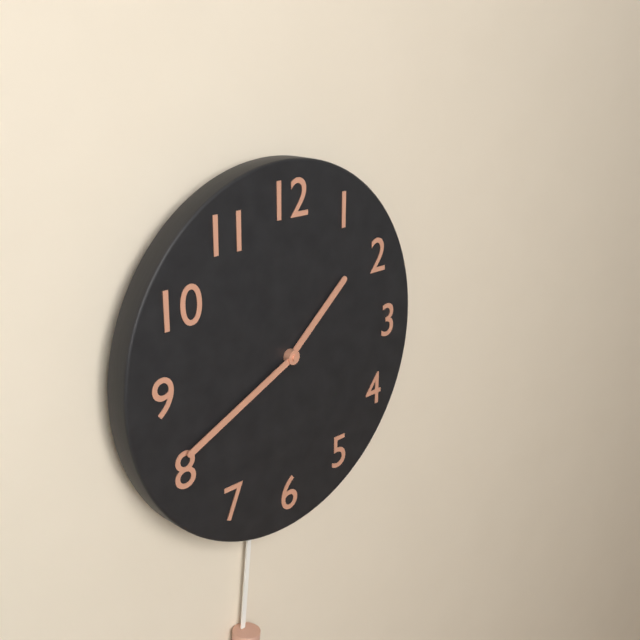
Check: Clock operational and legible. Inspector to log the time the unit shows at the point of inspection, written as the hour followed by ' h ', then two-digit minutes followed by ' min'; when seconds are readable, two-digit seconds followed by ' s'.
1 h 41 min
